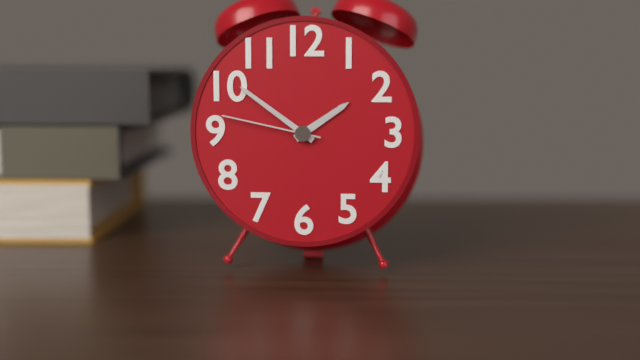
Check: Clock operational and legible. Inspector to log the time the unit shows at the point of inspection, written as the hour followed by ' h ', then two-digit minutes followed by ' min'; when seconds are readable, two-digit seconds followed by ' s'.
1 h 51 min 47 s
